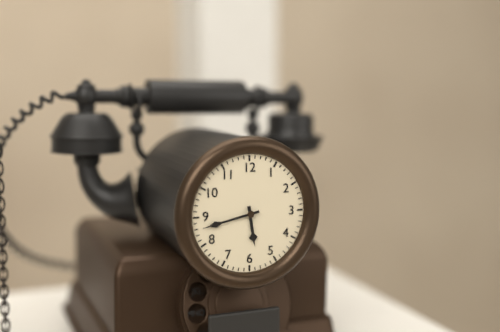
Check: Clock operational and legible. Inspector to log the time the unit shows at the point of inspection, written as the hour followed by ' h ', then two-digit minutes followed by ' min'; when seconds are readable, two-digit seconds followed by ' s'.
5 h 43 min
